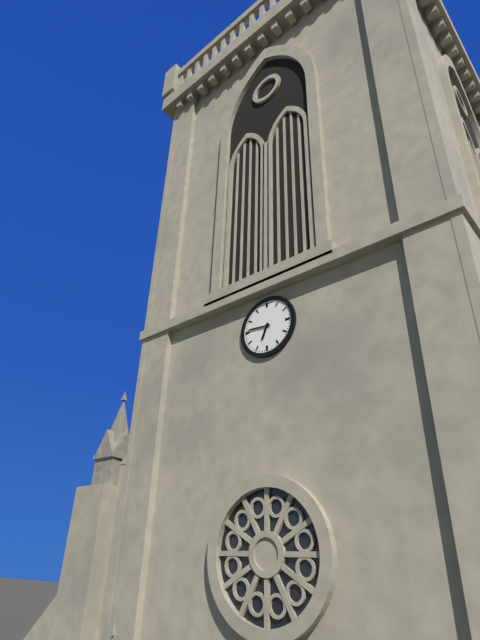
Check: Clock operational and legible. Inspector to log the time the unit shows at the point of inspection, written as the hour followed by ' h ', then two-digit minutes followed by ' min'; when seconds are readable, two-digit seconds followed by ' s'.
6 h 46 min
